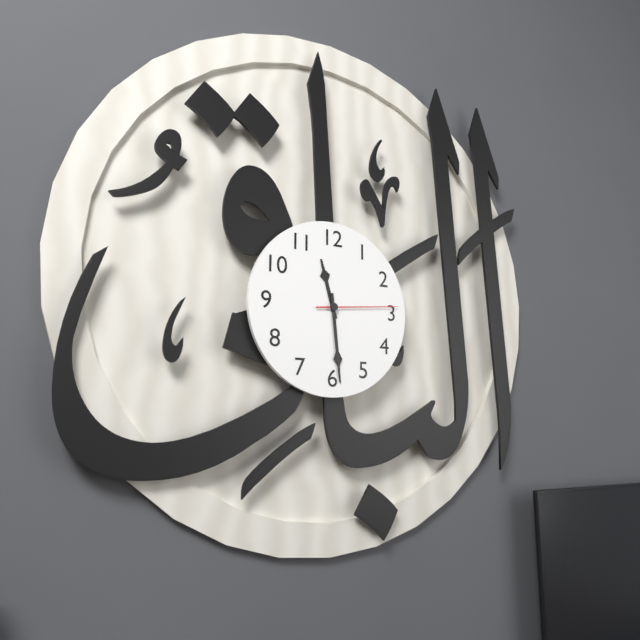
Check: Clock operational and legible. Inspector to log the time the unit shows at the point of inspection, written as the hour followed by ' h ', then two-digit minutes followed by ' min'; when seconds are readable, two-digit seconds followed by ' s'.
11 h 29 min 14 s
